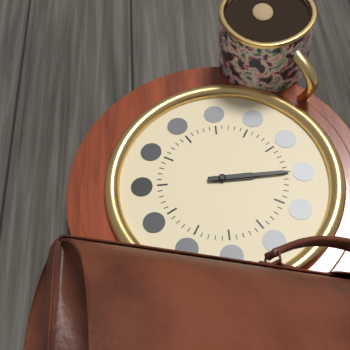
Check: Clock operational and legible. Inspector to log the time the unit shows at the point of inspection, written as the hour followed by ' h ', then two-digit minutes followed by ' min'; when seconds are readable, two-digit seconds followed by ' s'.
12 h 00 min
